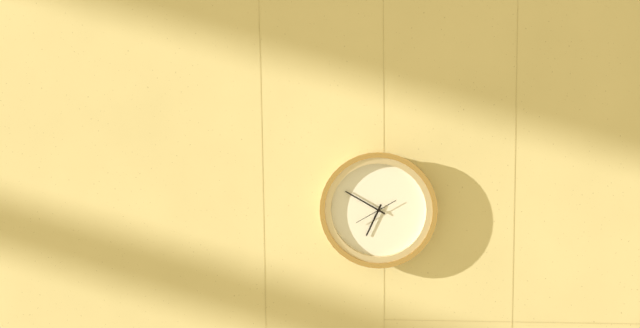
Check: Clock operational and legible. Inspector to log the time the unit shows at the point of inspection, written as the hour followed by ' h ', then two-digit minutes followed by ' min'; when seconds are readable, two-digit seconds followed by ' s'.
6 h 50 min
